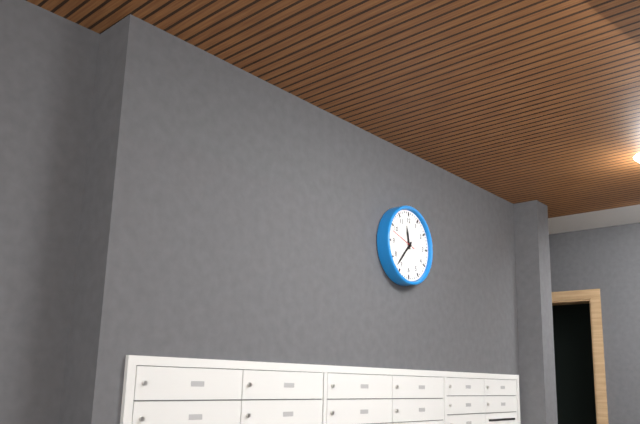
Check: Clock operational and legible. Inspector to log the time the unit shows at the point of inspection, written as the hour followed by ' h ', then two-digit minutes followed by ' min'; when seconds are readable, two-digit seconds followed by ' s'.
11 h 37 min
